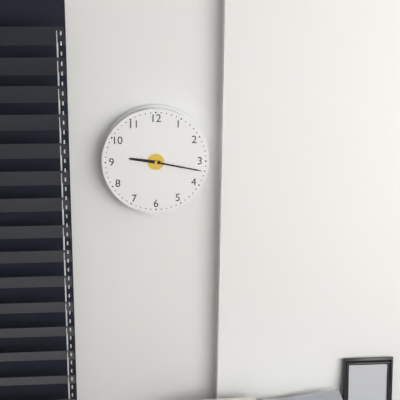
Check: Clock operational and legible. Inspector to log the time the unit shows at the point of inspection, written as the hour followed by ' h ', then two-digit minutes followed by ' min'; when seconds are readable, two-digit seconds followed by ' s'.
9 h 17 min
